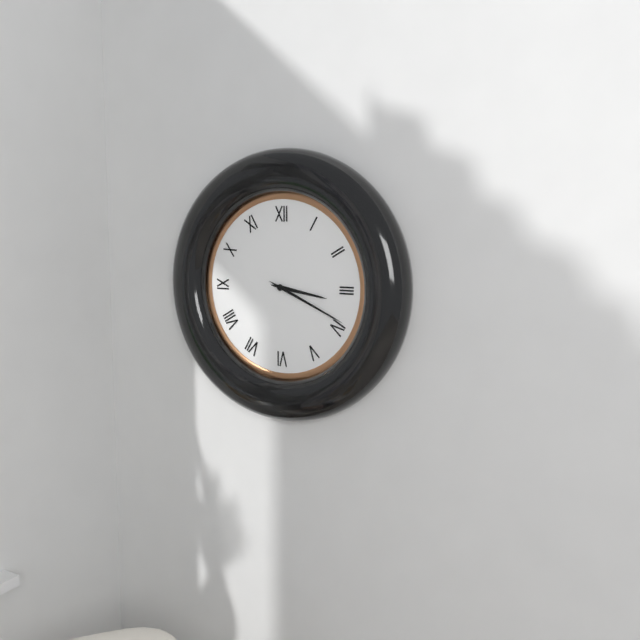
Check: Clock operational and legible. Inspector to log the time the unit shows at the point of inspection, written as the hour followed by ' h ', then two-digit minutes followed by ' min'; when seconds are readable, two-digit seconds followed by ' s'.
3 h 19 min
